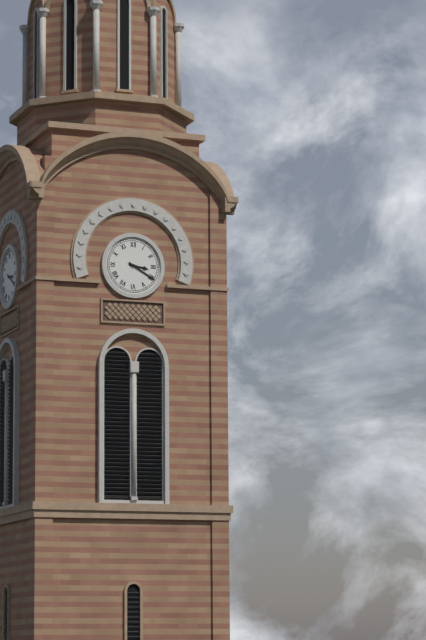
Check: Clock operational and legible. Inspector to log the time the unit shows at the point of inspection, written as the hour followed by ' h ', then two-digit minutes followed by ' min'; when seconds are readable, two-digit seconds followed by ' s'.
3 h 20 min
